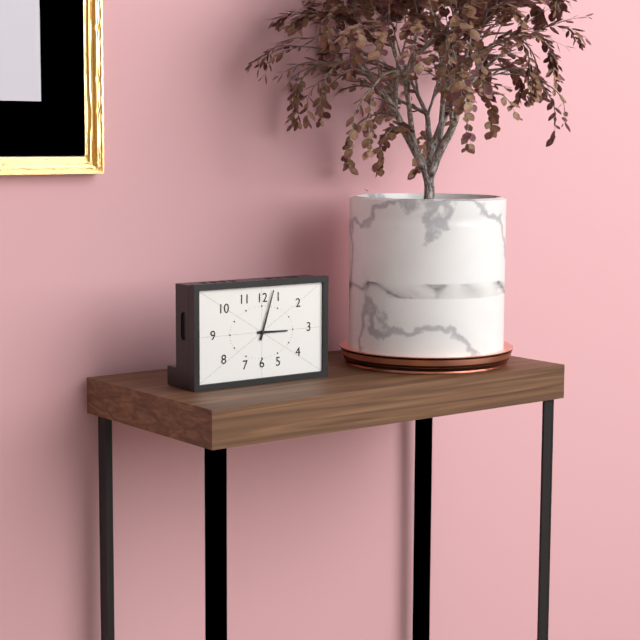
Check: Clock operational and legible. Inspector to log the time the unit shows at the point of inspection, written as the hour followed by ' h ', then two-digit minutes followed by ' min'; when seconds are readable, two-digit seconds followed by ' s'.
3 h 03 min
